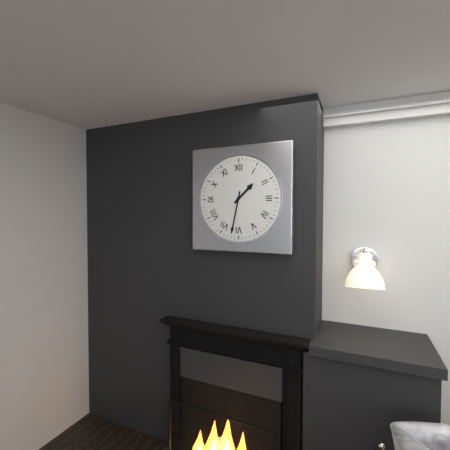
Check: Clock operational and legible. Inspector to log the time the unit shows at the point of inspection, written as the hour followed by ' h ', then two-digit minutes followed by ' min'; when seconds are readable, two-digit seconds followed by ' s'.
1 h 32 min
